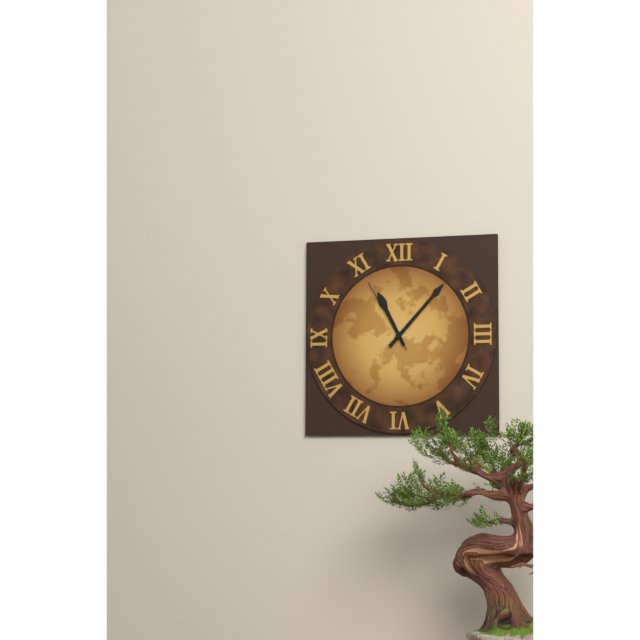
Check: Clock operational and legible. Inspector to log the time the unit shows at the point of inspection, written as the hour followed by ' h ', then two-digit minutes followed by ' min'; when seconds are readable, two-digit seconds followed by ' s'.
11 h 07 min 55 s
